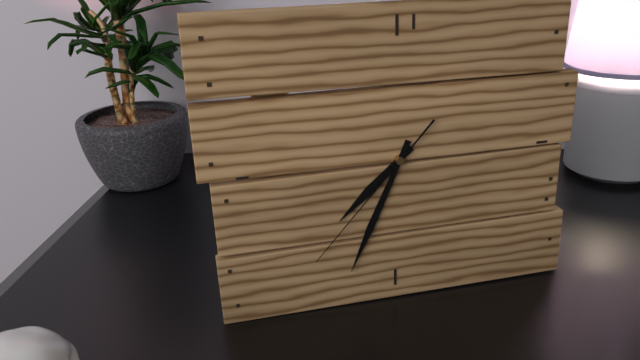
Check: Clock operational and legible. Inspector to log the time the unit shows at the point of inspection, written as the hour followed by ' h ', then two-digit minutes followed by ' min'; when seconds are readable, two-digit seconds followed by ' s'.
7 h 34 min 37 s
